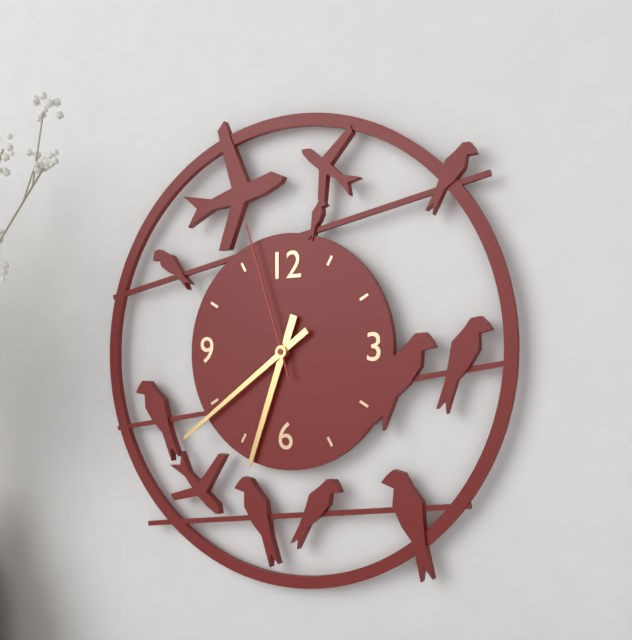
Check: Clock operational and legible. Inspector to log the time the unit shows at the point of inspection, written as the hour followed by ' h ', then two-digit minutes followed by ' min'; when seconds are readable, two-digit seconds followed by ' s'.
6 h 39 min 57 s
